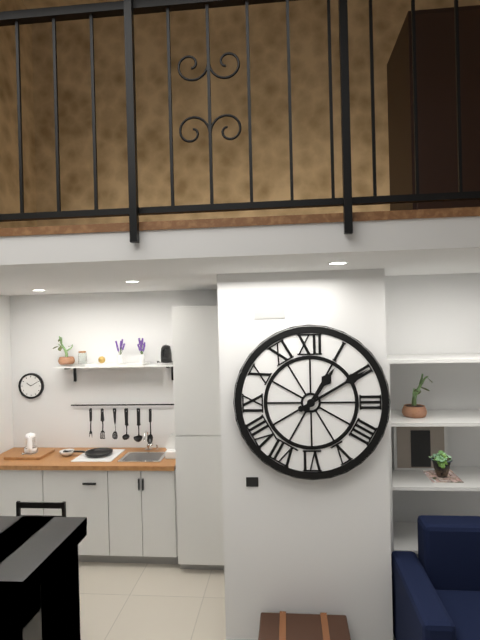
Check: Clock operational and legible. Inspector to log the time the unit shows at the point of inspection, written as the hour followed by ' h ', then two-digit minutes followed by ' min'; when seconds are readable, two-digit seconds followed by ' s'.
1 h 10 min
